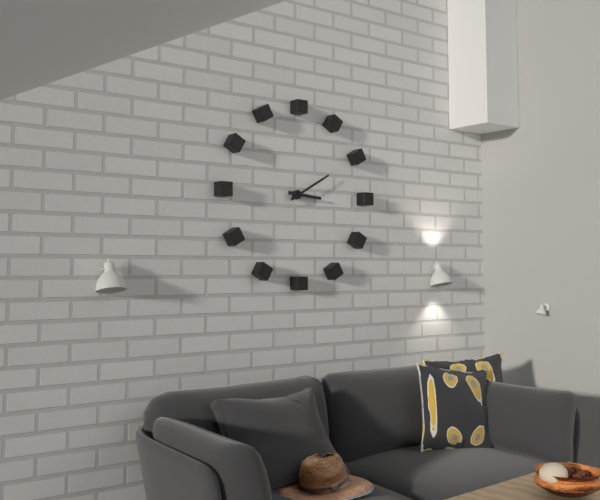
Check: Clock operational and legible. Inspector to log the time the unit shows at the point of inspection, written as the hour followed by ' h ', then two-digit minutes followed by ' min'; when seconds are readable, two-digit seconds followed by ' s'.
3 h 10 min
